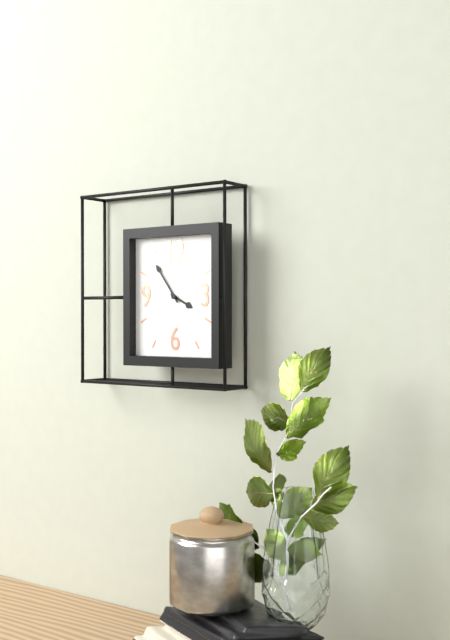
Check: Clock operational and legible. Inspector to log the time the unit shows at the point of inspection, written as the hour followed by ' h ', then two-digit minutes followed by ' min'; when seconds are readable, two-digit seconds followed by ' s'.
3 h 54 min
